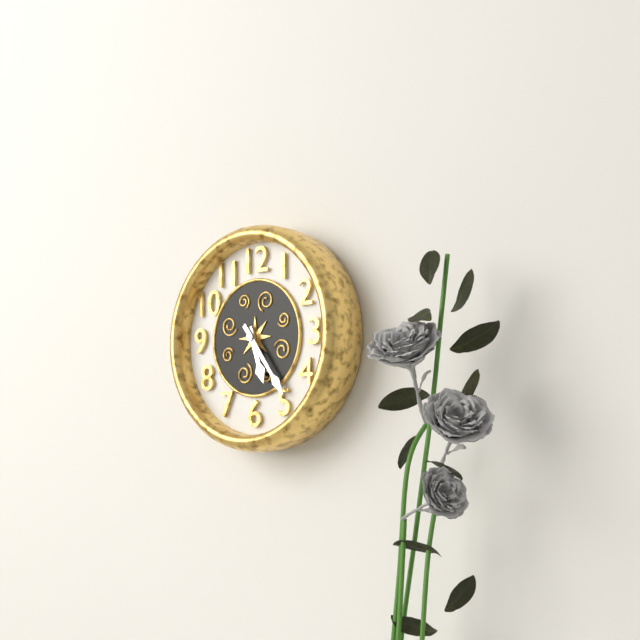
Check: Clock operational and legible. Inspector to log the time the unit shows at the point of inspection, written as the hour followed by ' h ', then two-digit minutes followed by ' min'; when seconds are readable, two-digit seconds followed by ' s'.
5 h 24 min
